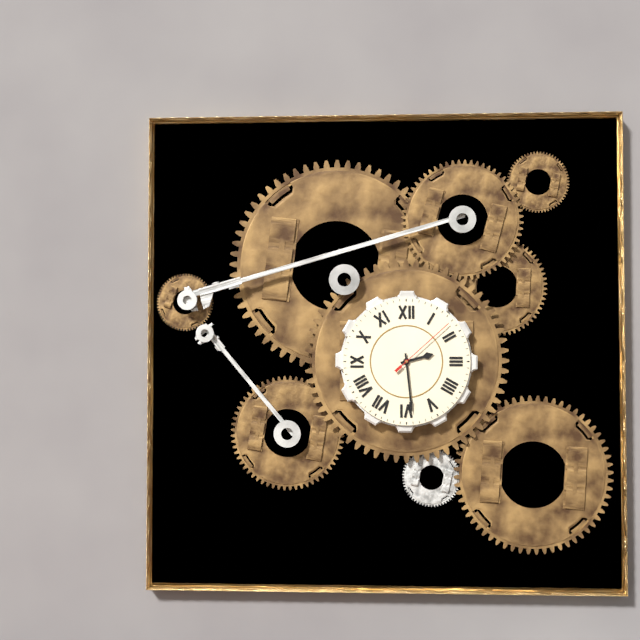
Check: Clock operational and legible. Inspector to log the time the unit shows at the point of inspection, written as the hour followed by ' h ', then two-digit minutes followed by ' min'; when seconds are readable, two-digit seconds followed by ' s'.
2 h 29 min 08 s
